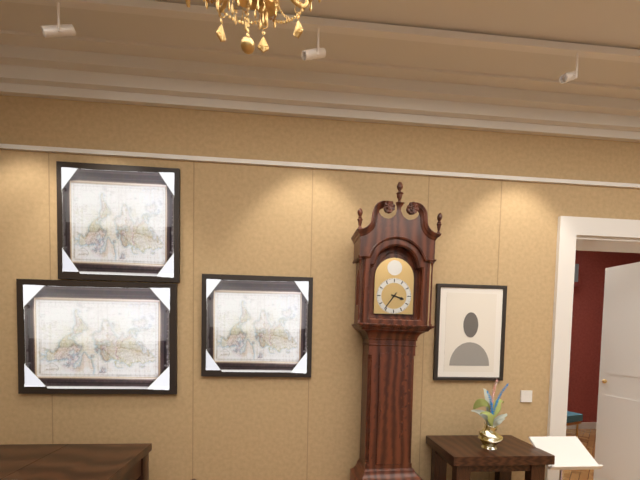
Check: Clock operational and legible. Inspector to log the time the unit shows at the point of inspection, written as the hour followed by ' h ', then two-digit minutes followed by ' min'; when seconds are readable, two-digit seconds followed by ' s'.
3 h 36 min
